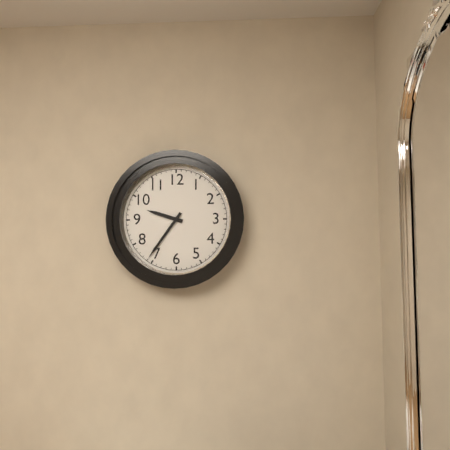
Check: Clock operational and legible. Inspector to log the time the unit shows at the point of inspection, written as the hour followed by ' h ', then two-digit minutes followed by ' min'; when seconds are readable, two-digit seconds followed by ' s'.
9 h 36 min
